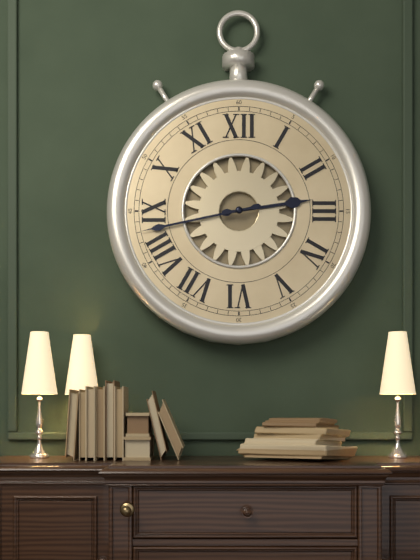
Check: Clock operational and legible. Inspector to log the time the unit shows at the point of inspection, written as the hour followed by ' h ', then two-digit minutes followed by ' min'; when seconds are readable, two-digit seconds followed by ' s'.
2 h 43 min
